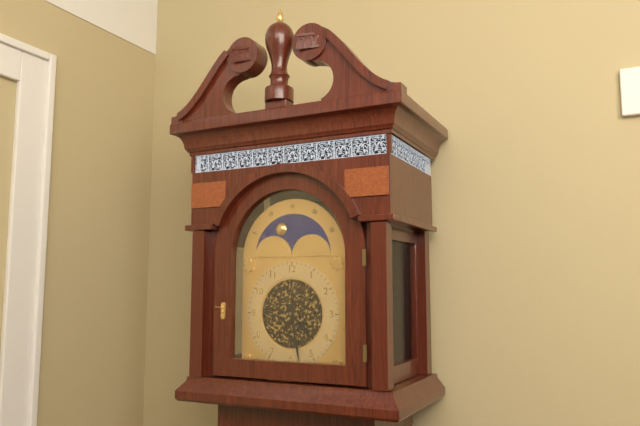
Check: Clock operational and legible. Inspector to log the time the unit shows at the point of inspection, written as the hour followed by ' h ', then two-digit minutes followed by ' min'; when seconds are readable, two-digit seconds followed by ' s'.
4 h 28 min
